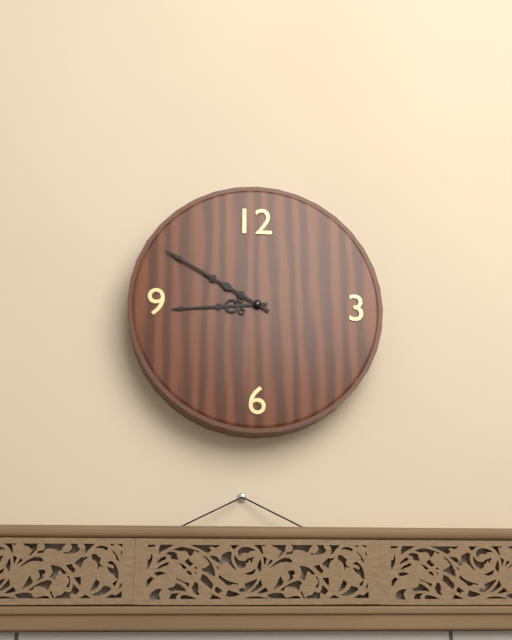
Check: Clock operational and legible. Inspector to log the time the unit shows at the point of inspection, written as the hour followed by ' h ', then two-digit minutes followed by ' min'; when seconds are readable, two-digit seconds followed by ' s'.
8 h 50 min
